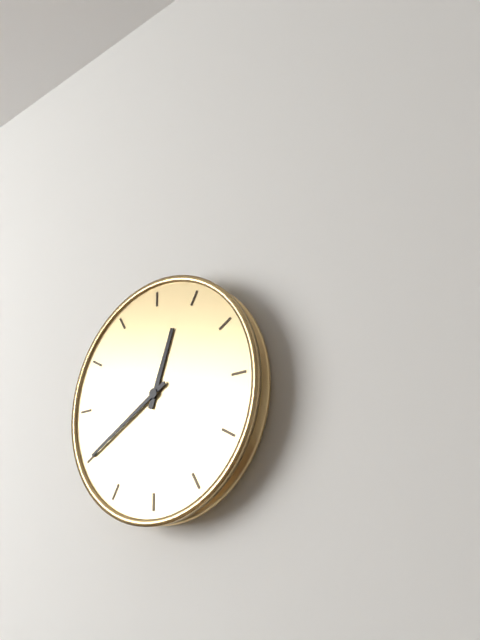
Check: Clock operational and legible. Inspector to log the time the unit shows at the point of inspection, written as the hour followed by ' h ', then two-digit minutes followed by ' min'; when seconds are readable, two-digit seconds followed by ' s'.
12 h 40 min
